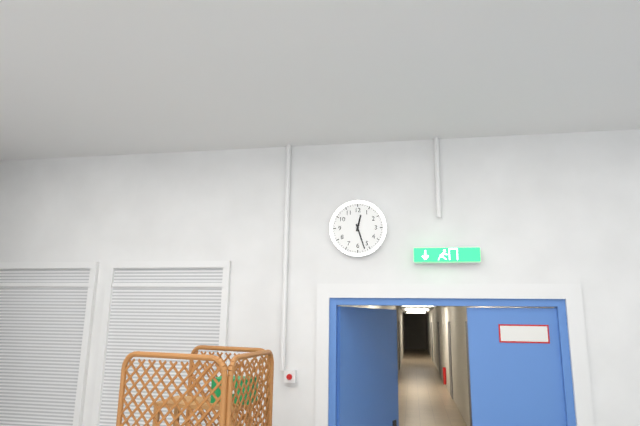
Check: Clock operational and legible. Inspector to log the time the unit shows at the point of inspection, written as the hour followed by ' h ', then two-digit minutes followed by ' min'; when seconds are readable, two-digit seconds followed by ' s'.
12 h 27 min
